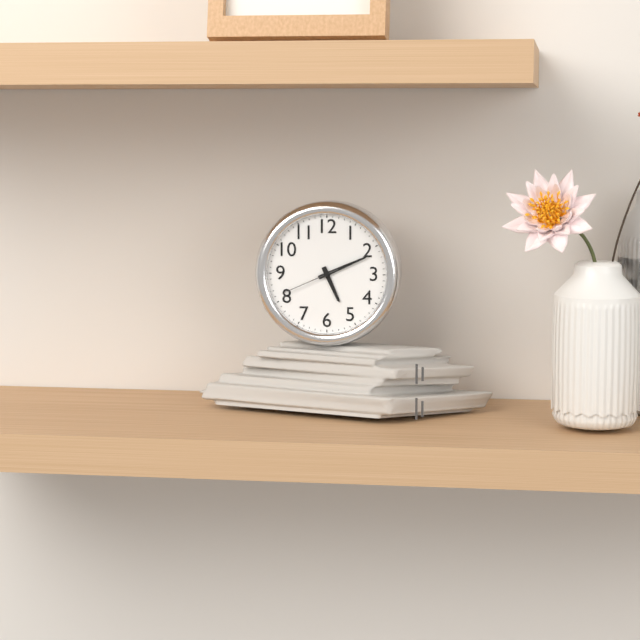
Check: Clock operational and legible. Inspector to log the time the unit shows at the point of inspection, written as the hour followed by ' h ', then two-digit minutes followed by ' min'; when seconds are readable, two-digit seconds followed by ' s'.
5 h 11 min 41 s
